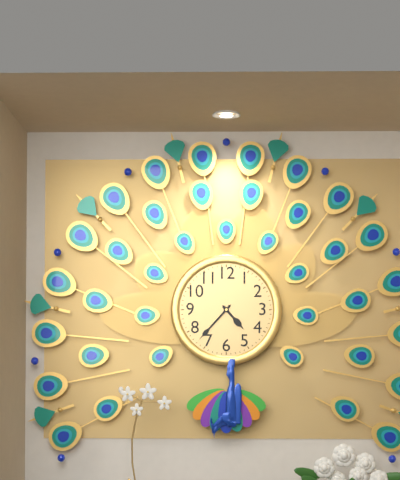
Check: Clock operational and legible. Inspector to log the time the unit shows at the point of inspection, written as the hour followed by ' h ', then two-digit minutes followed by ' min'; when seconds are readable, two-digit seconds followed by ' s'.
4 h 37 min
